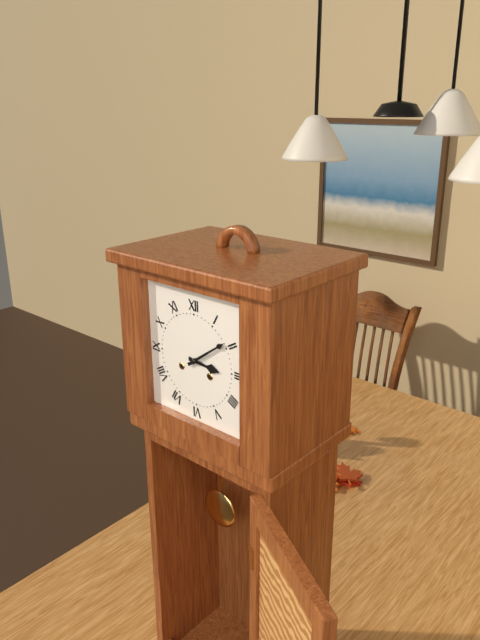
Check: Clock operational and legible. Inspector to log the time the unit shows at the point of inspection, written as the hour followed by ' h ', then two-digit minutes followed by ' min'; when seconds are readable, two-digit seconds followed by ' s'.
3 h 09 min
